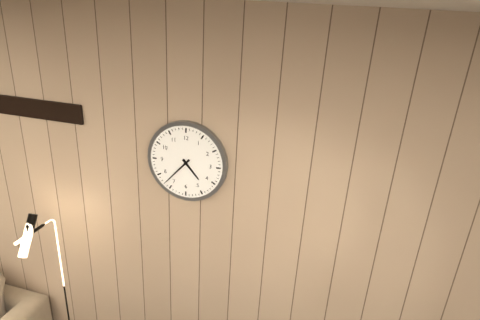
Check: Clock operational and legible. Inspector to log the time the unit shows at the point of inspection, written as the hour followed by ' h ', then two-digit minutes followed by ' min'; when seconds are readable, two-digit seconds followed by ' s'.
4 h 37 min
